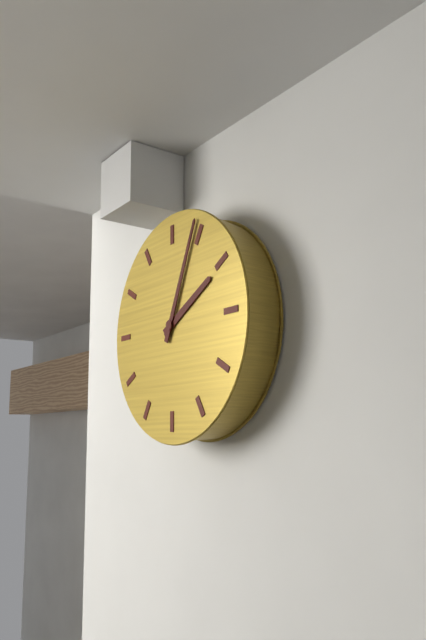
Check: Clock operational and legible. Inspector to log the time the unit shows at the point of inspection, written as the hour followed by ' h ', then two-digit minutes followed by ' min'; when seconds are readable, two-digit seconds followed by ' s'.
2 h 04 min
